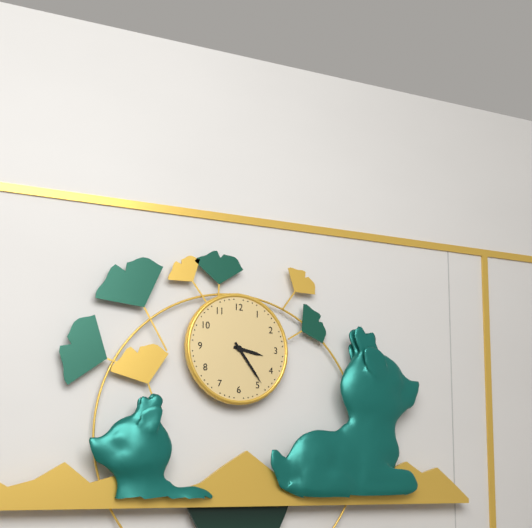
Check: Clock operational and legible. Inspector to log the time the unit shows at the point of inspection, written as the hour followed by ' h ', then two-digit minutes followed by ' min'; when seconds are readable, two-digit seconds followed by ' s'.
3 h 24 min
